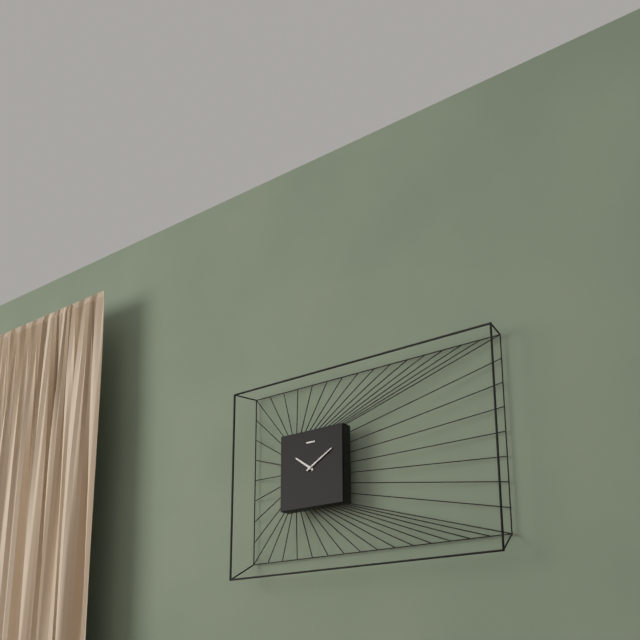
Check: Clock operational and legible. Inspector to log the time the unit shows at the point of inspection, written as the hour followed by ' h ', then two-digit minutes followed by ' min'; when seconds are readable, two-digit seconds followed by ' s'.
10 h 10 min
